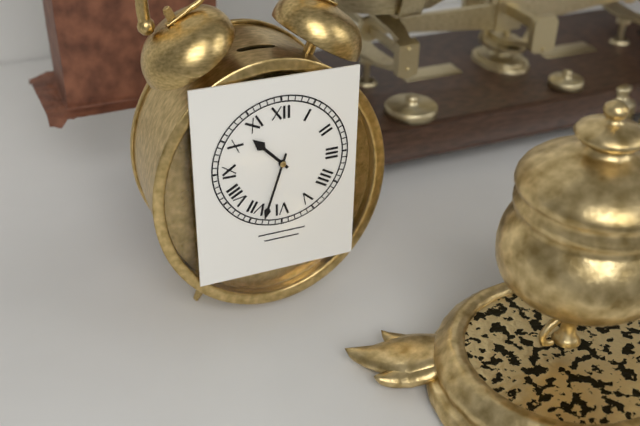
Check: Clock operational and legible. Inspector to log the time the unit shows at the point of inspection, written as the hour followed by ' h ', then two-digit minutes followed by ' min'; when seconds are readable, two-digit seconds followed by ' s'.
10 h 33 min
